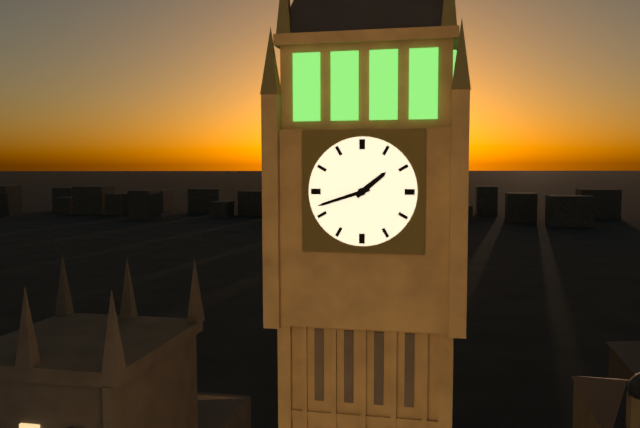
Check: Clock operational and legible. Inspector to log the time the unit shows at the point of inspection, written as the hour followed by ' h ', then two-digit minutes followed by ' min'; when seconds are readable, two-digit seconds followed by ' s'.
1 h 42 min
